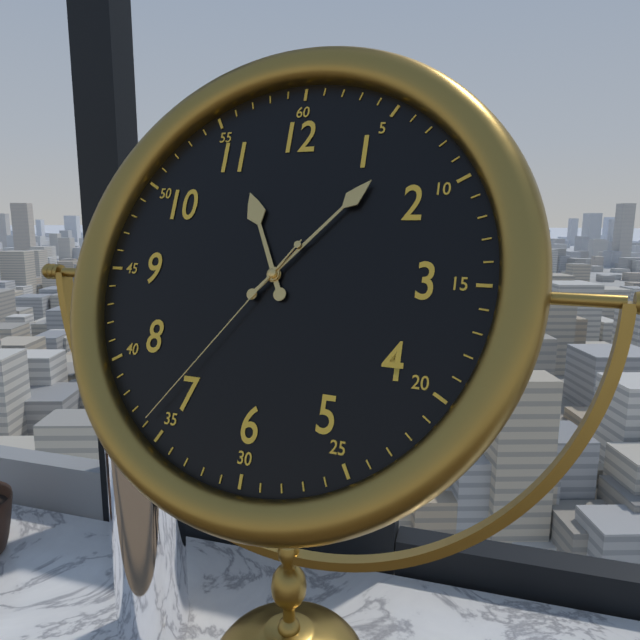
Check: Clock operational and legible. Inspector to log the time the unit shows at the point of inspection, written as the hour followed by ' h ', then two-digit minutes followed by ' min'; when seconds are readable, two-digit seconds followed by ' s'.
11 h 07 min 36 s
